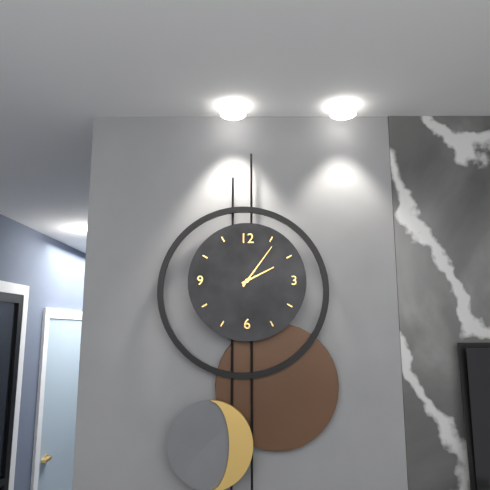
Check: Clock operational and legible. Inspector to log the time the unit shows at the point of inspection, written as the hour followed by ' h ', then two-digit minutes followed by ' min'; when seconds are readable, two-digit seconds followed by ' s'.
2 h 06 min
